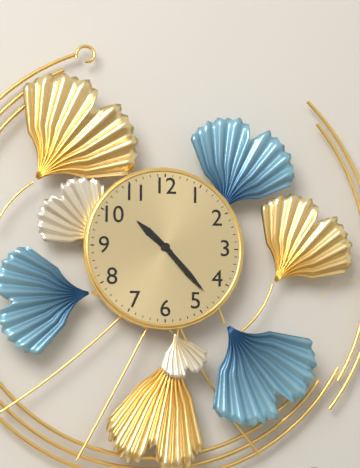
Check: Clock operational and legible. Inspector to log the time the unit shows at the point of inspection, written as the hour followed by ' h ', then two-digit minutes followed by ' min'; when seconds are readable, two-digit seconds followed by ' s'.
10 h 23 min
